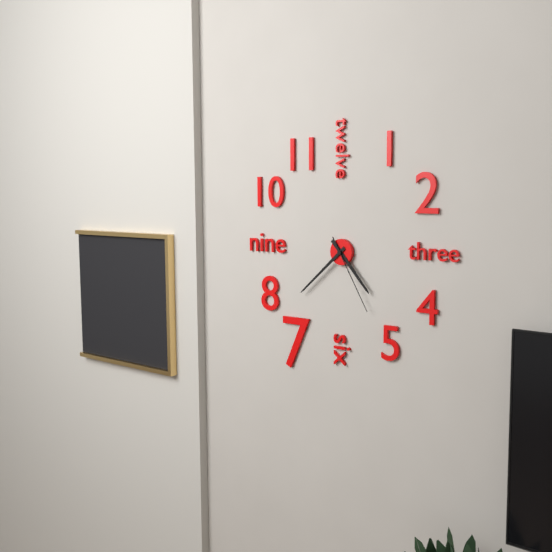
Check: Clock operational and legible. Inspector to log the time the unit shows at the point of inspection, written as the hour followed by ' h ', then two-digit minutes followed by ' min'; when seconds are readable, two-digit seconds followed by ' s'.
4 h 38 min 25 s
